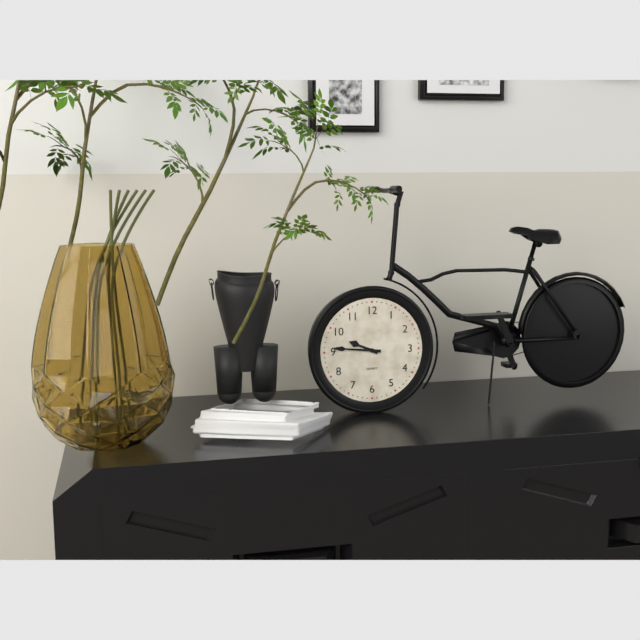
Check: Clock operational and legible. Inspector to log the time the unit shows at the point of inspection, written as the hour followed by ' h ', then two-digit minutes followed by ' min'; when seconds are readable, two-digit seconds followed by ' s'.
9 h 46 min
